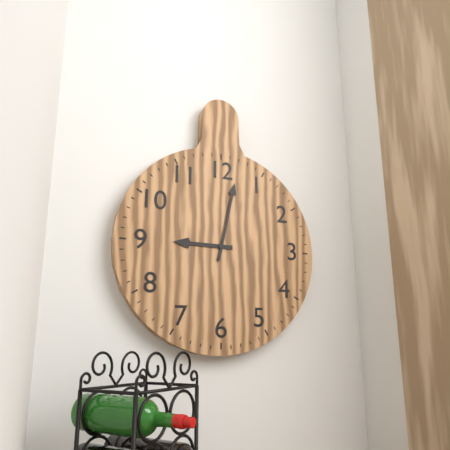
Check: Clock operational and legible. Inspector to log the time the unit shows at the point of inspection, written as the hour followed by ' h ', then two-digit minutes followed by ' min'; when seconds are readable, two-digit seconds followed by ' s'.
9 h 02 min
